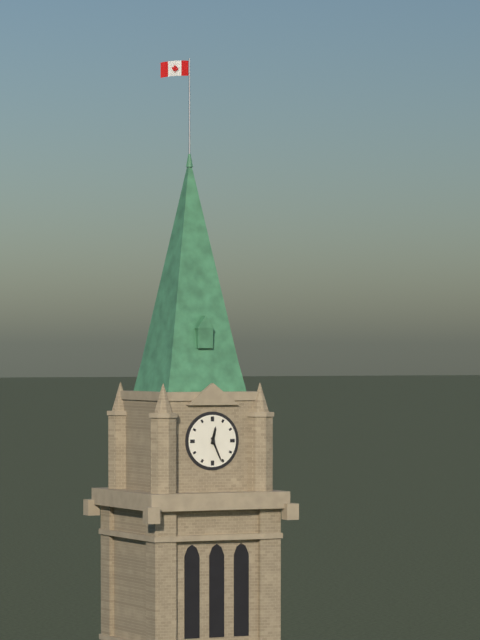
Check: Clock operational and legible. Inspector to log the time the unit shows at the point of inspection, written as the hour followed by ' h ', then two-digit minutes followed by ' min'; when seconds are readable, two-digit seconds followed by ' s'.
12 h 26 min
